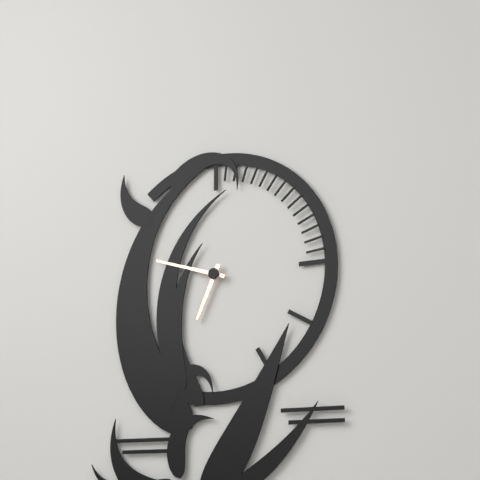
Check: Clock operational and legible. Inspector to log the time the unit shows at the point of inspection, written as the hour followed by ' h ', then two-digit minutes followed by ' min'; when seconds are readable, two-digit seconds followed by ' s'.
6 h 48 min
